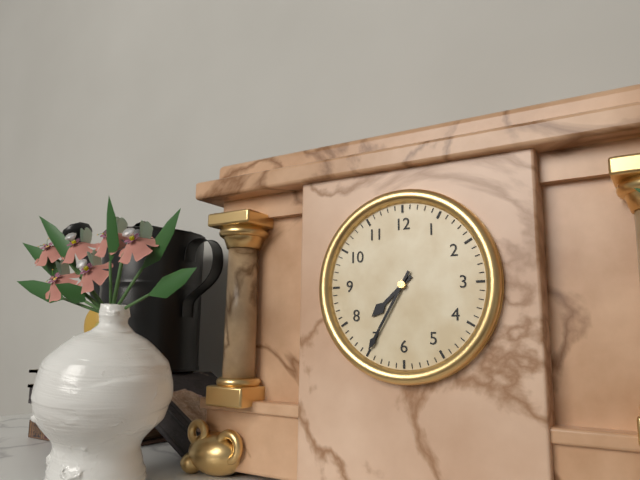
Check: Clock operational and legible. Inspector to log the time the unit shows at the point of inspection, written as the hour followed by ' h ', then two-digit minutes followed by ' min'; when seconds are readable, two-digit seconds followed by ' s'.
7 h 35 min
